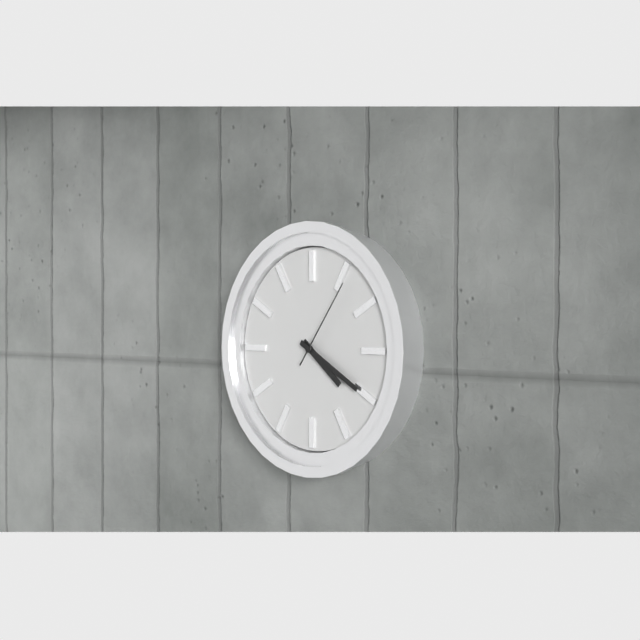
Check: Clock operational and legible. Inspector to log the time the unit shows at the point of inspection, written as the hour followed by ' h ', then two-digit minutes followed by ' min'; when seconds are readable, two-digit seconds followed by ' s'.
4 h 20 min 06 s
